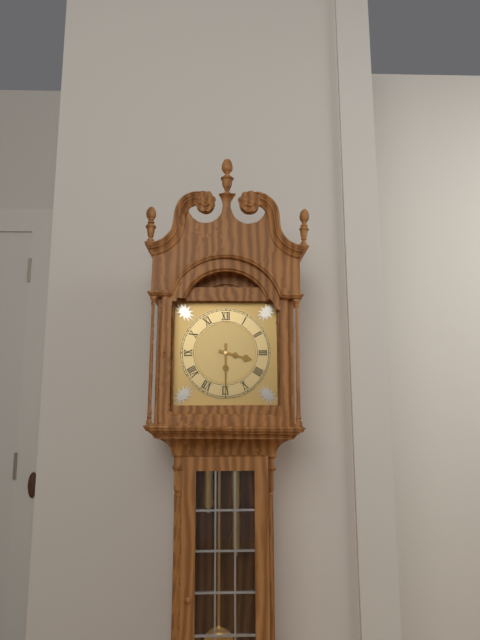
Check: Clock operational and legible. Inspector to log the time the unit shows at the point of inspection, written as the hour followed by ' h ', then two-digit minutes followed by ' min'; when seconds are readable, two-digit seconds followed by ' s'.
3 h 30 min
